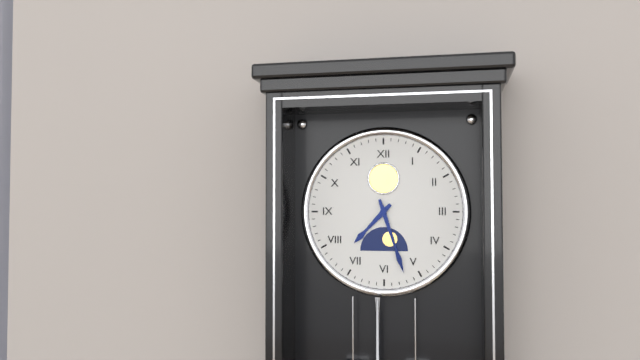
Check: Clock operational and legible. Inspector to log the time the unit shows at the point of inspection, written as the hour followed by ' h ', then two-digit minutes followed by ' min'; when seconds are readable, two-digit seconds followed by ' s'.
7 h 27 min
